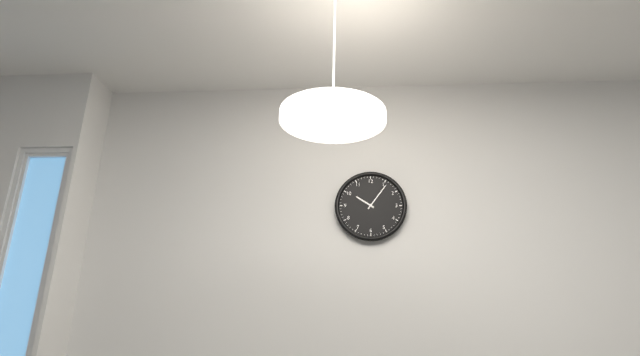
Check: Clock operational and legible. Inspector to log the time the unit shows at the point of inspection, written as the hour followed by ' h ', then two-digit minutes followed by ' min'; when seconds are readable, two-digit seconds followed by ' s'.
10 h 06 min
